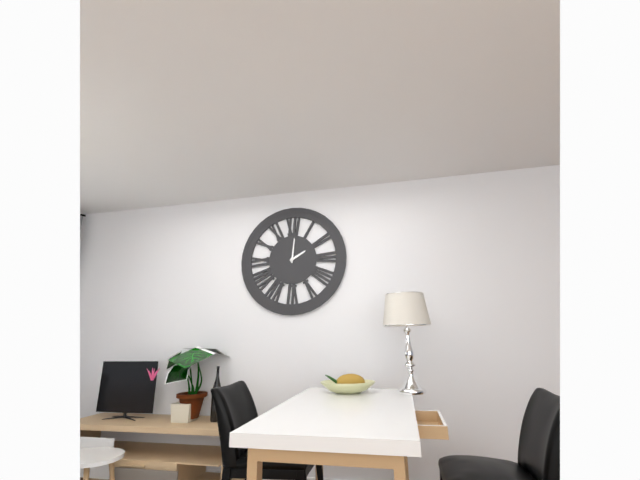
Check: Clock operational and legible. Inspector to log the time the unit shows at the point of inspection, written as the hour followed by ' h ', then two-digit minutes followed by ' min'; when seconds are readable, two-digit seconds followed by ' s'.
2 h 01 min
